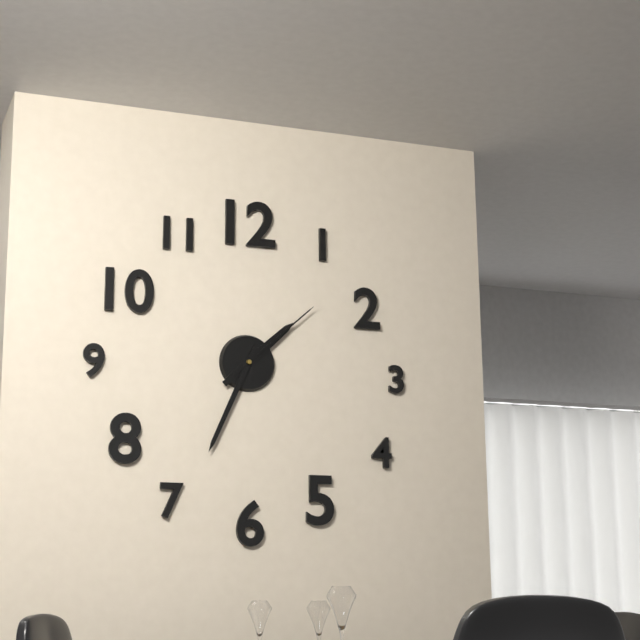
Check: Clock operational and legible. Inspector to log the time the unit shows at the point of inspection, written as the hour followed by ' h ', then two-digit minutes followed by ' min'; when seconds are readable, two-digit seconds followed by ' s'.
1 h 34 min 08 s
